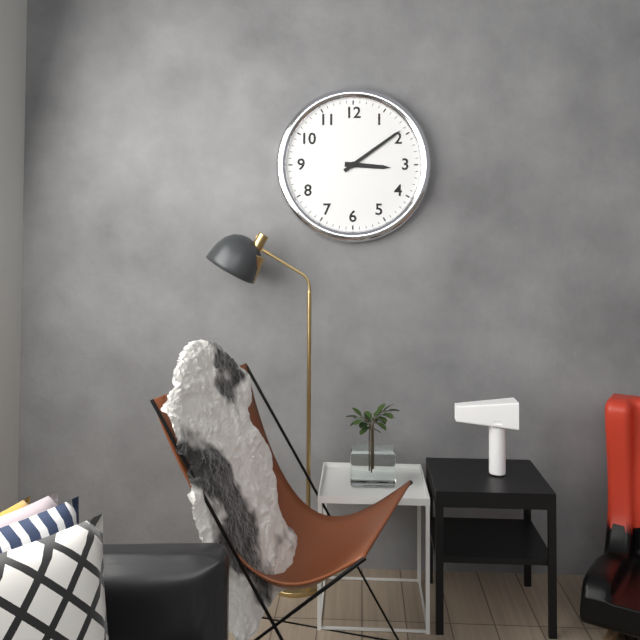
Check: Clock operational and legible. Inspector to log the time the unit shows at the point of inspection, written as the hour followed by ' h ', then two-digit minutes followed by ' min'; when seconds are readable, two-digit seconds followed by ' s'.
3 h 09 min
